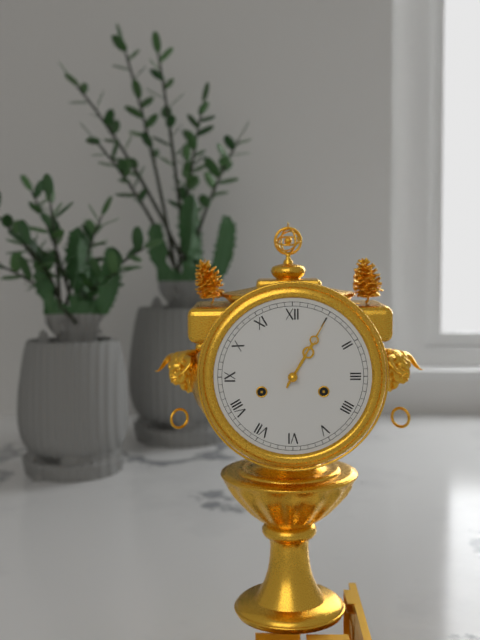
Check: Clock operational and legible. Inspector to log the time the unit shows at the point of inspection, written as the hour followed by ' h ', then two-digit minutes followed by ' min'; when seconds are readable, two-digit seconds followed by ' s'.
1 h 05 min
